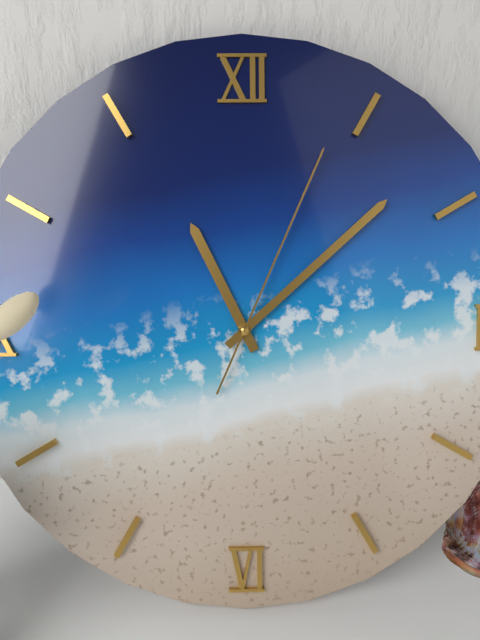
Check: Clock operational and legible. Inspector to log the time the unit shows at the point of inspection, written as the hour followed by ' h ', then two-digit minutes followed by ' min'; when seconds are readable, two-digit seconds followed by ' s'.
11 h 08 min 04 s
